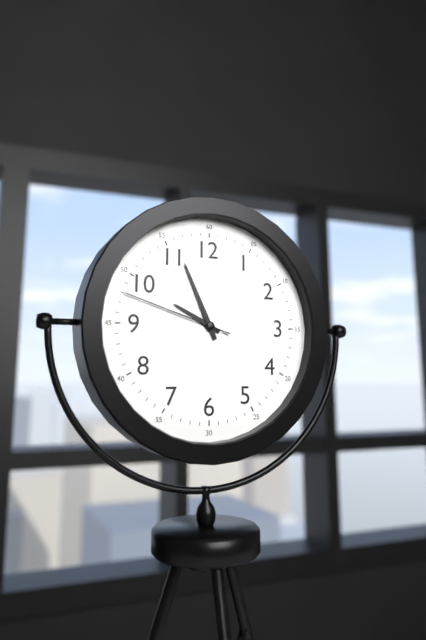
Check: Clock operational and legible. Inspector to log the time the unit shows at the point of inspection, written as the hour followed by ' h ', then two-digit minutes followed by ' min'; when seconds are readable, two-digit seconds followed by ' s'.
9 h 56 min 48 s
